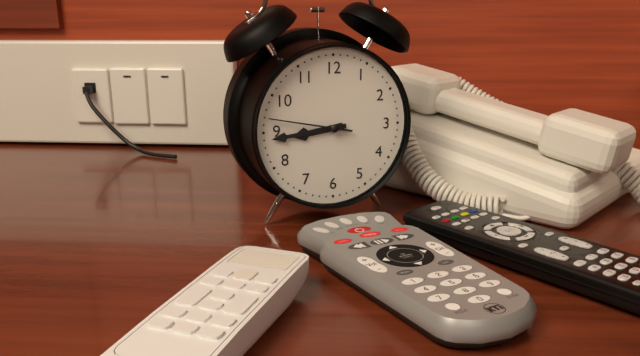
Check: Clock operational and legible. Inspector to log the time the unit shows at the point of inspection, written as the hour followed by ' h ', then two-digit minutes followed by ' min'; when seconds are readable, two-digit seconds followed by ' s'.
8 h 44 min 47 s
